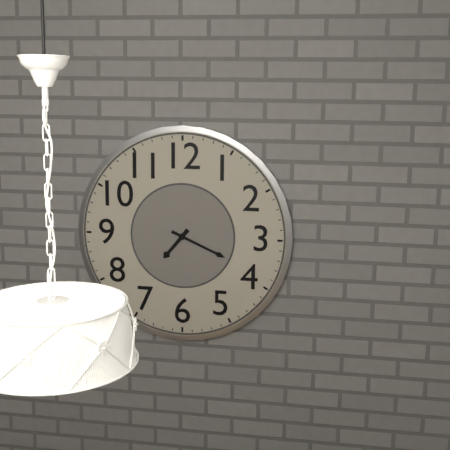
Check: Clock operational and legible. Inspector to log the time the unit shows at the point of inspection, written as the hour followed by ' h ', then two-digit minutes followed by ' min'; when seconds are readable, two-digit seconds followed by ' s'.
7 h 19 min
